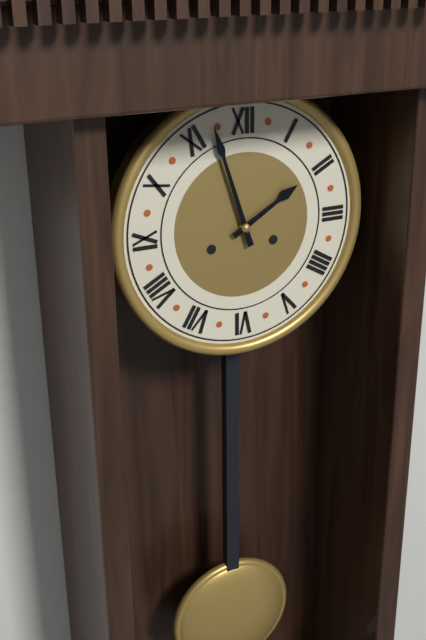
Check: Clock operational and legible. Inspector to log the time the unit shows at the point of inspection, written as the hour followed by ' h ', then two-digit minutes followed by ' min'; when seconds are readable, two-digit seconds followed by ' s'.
1 h 57 min
